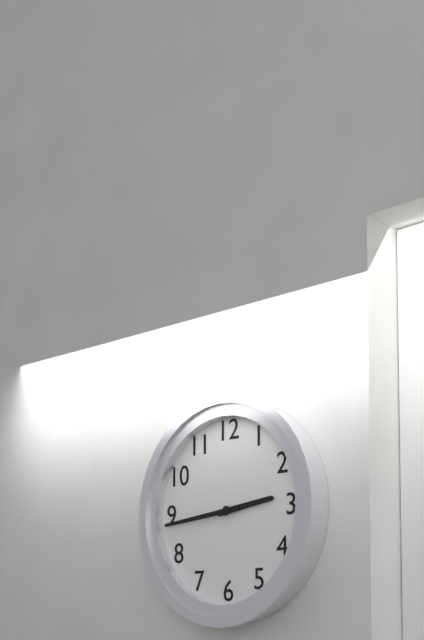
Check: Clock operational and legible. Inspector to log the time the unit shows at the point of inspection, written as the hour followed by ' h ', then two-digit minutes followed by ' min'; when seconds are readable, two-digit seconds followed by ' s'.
2 h 44 min
